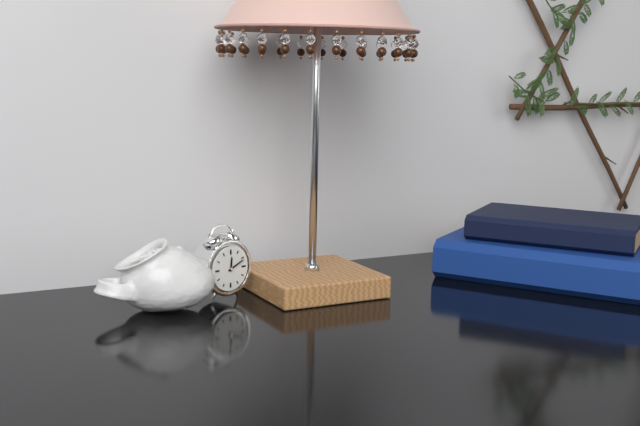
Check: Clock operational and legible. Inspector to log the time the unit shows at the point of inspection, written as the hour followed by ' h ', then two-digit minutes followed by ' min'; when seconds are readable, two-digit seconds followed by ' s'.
12 h 11 min
